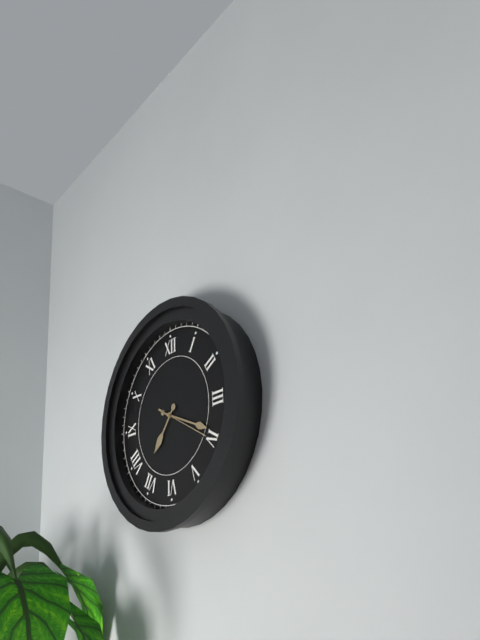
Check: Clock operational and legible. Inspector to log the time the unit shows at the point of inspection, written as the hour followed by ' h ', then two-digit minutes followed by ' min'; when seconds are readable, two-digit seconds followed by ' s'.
7 h 19 min 20 s
